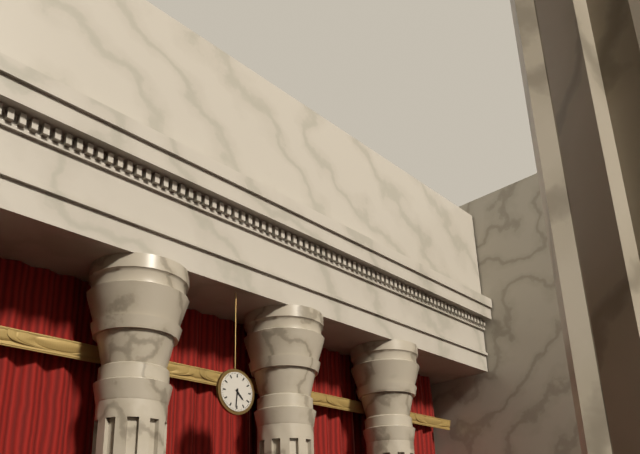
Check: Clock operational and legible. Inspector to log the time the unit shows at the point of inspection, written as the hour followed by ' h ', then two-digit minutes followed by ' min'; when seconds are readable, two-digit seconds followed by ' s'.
4 h 31 min
